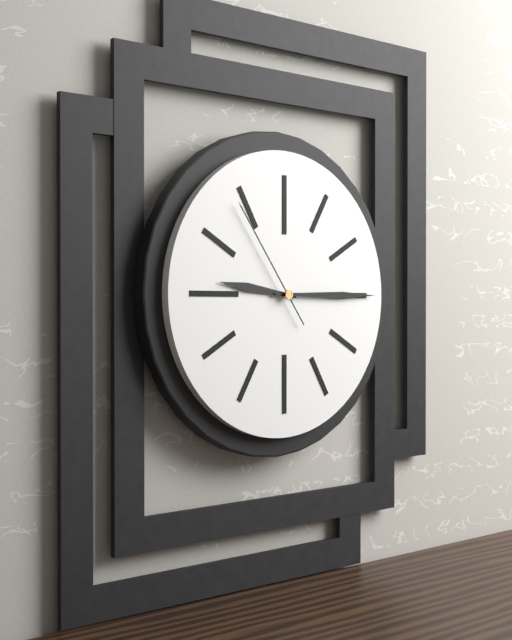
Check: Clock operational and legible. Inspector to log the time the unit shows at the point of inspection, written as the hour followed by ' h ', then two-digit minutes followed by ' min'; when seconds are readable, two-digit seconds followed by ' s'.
9 h 15 min 54 s
